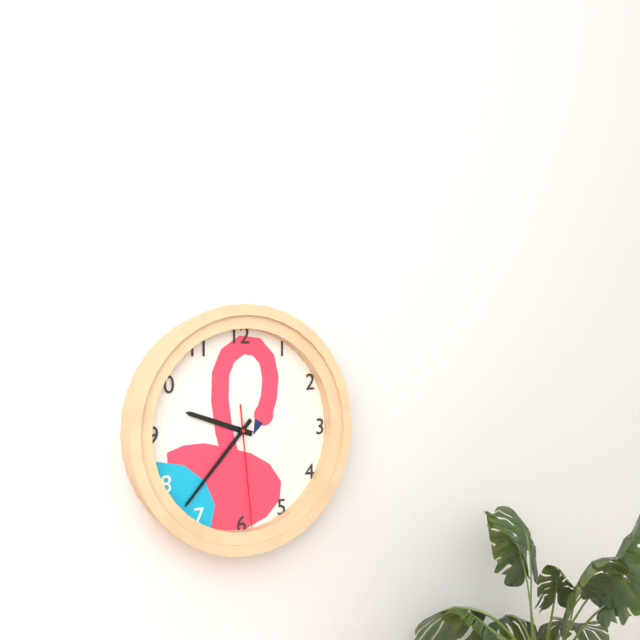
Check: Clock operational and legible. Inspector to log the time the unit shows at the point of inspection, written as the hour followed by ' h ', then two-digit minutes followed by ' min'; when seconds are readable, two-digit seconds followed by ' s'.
9 h 37 min 29 s
